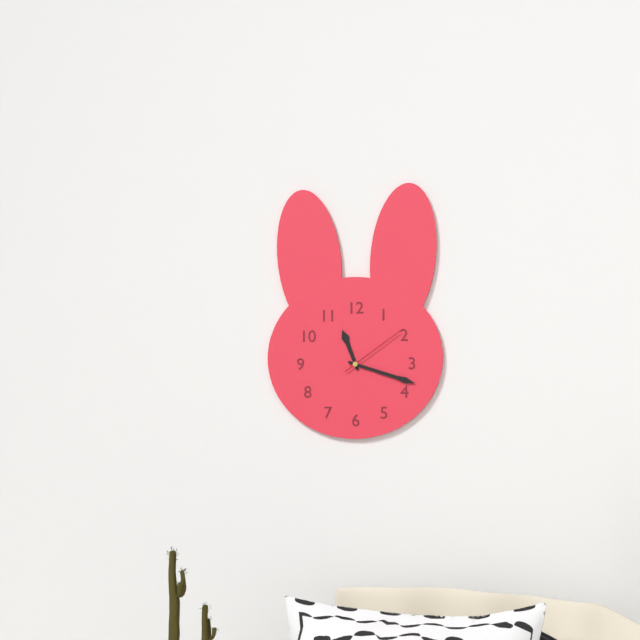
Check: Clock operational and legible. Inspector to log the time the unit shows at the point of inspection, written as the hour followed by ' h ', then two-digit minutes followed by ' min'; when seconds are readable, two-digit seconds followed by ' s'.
11 h 18 min 09 s
